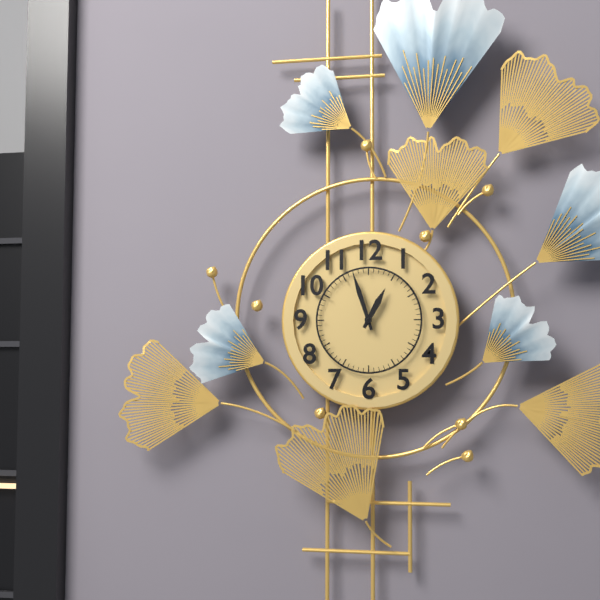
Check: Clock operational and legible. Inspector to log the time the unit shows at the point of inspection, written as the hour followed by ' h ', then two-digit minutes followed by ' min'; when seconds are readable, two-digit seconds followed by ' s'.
12 h 57 min
